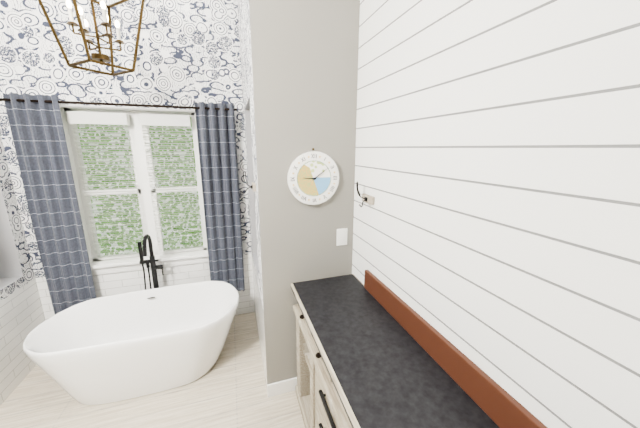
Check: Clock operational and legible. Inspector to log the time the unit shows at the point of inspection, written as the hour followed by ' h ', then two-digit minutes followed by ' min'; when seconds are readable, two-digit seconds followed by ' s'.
9 h 09 min
